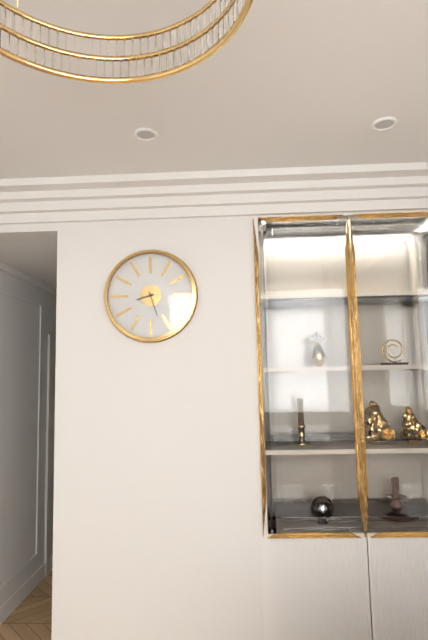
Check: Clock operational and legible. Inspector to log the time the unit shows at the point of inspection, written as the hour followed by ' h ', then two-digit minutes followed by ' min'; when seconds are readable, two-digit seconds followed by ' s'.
8 h 27 min
